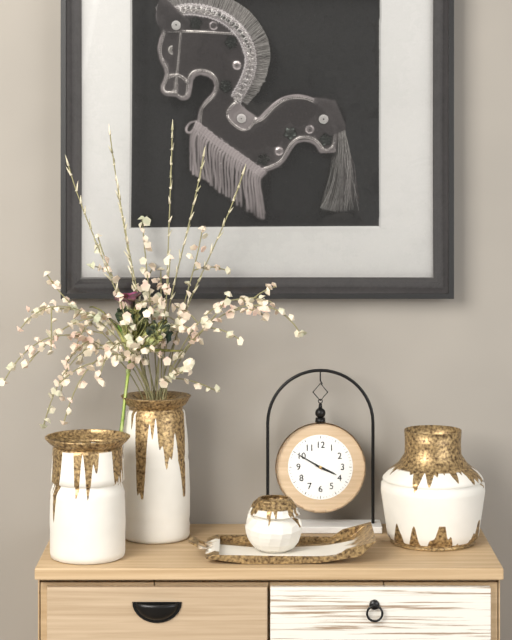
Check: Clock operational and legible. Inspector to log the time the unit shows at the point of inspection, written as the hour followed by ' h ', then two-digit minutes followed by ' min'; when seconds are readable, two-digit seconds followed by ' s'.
3 h 50 min
